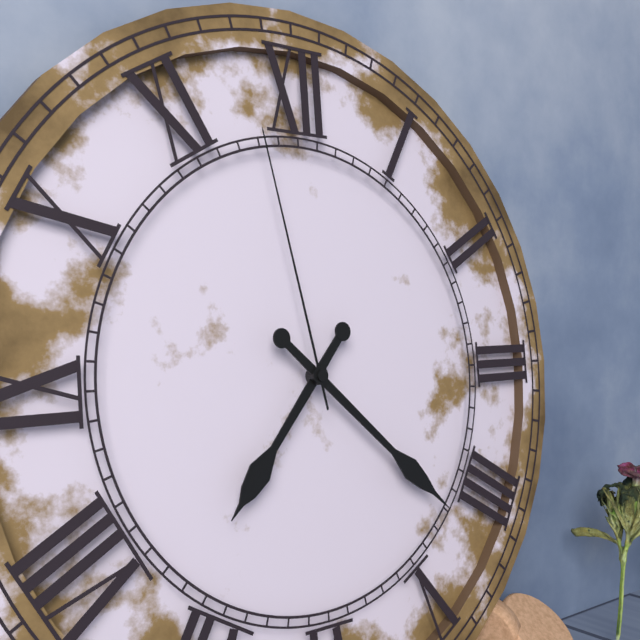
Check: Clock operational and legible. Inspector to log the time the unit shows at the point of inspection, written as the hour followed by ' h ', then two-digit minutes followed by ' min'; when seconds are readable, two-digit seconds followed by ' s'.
7 h 22 min 58 s
